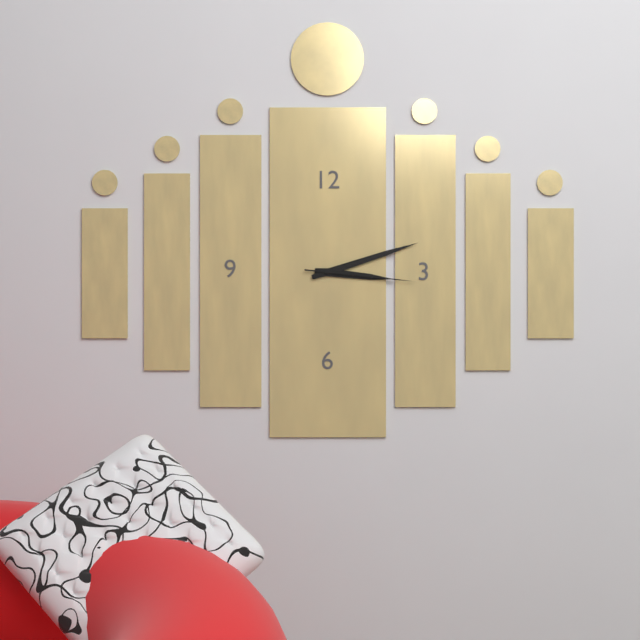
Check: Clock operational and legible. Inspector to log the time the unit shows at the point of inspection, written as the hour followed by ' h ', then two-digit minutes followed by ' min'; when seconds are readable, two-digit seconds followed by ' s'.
3 h 12 min 16 s
